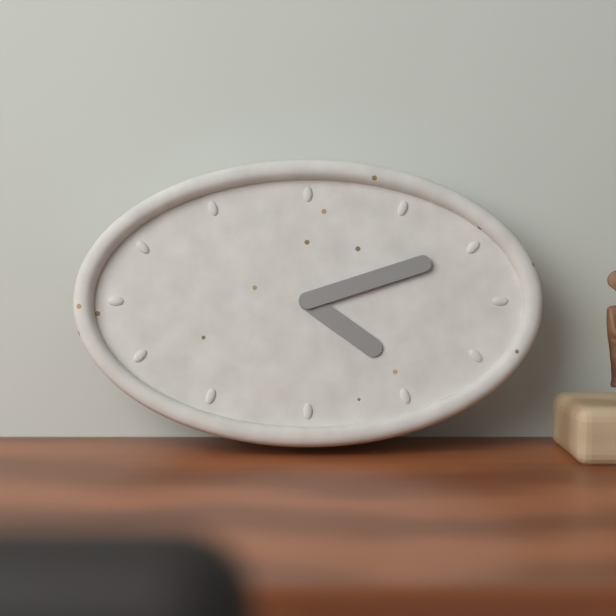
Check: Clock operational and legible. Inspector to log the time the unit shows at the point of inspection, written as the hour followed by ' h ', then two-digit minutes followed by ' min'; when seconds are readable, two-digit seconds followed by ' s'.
4 h 12 min
